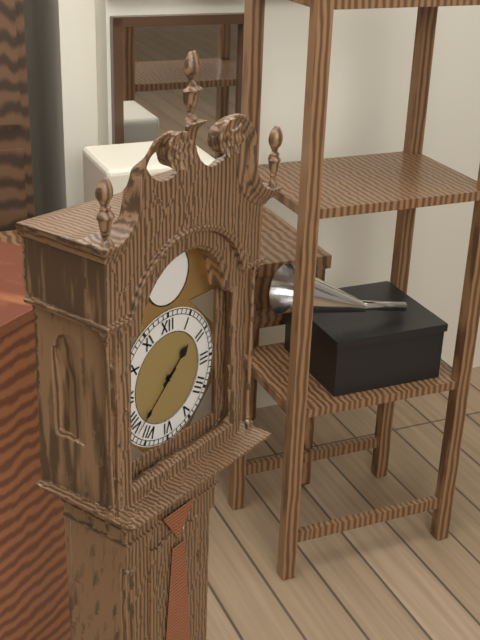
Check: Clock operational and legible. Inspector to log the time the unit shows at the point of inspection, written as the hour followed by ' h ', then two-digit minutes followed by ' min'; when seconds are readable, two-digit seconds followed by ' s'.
1 h 38 min
